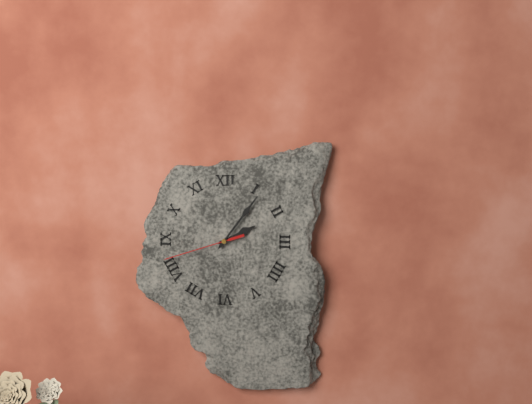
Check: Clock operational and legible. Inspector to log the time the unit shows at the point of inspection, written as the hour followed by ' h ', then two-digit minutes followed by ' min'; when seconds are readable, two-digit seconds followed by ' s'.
2 h 06 min 42 s
